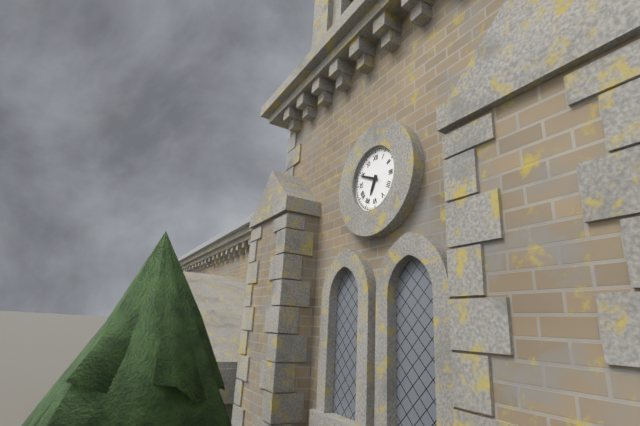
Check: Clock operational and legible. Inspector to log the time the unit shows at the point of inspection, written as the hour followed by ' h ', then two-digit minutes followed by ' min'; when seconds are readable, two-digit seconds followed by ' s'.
6 h 49 min
